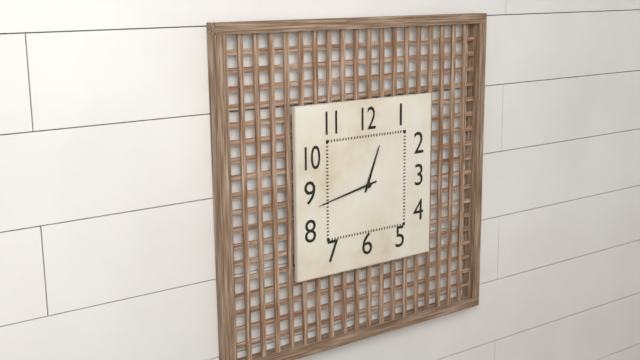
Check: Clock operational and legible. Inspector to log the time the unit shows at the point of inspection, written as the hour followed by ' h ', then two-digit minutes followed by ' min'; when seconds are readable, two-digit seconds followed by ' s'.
12 h 43 min
